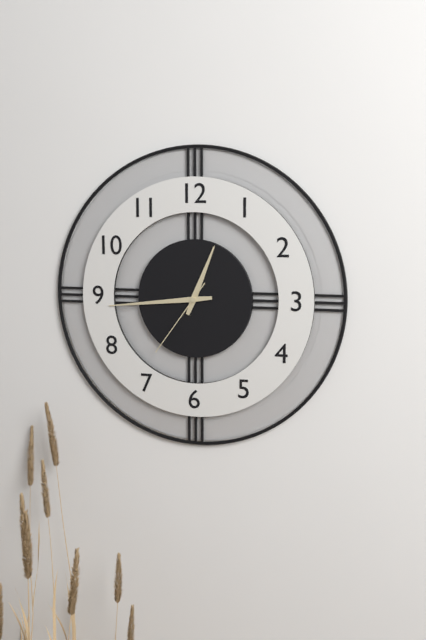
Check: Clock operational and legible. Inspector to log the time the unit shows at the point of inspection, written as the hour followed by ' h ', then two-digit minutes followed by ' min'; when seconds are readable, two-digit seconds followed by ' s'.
12 h 44 min 36 s
